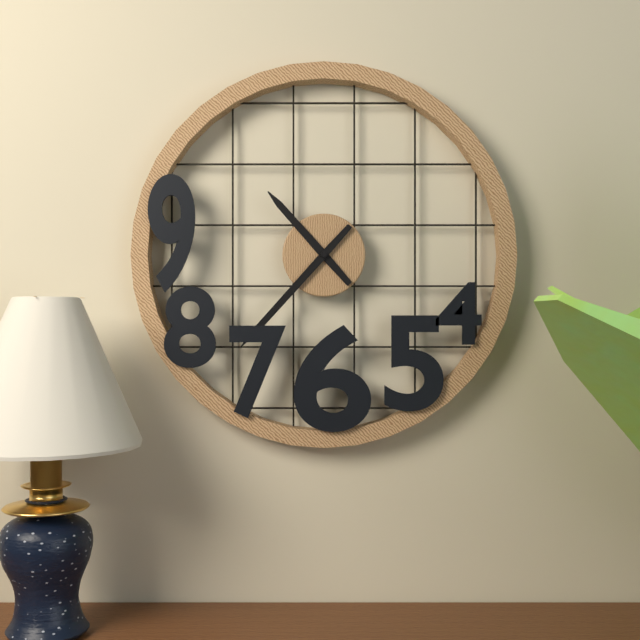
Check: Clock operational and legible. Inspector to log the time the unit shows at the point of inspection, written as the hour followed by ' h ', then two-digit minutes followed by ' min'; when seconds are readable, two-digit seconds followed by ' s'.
10 h 37 min
